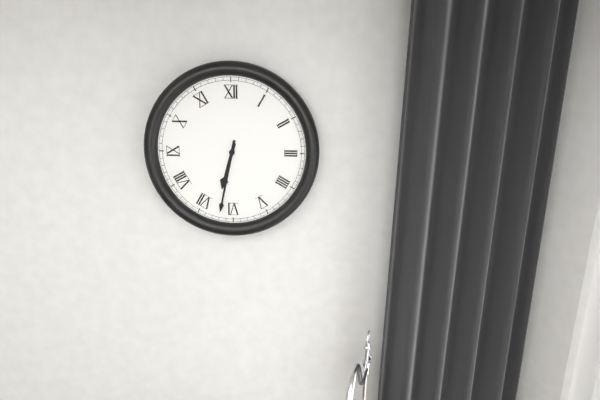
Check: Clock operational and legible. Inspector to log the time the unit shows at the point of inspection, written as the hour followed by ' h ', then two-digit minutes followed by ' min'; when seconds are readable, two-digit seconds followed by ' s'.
6 h 32 min
